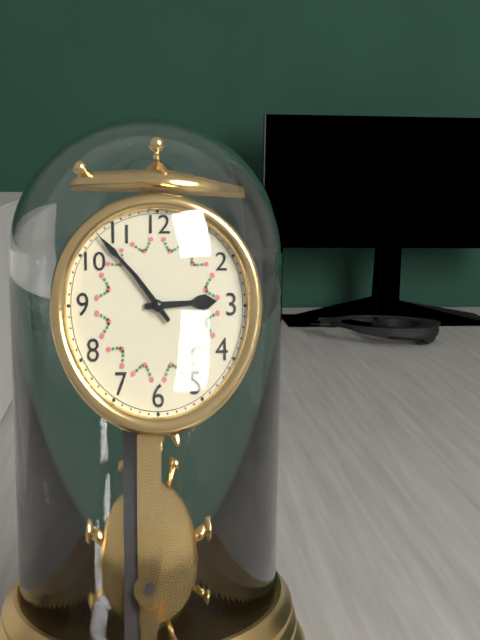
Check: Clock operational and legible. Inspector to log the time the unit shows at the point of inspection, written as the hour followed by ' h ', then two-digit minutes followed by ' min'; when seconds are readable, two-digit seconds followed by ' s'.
2 h 53 min
